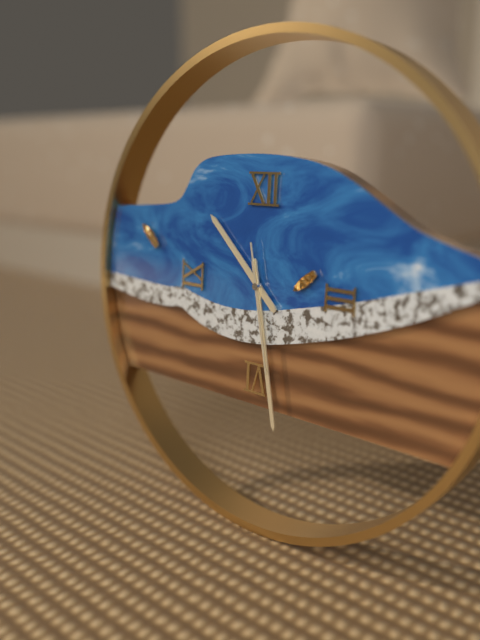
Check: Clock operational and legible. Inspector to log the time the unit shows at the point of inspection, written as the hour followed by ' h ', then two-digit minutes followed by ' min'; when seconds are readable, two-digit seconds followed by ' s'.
10 h 28 min 28 s
